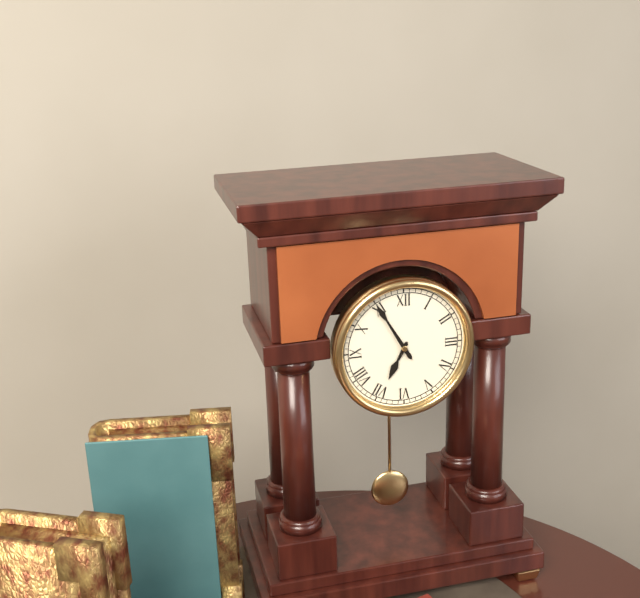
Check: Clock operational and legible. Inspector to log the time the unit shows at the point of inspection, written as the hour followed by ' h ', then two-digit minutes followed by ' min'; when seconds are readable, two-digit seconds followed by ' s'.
6 h 55 min
